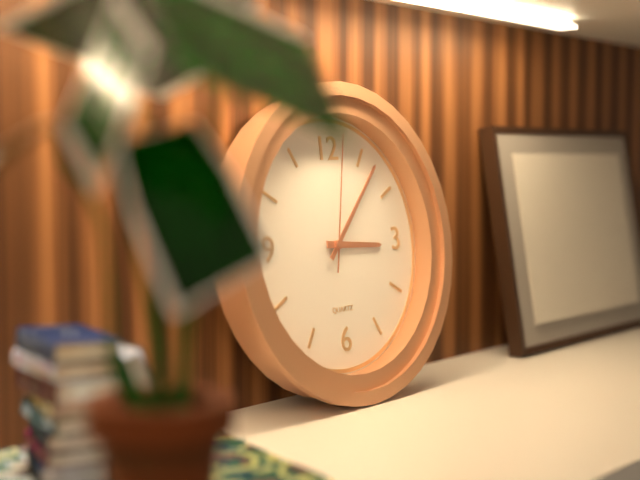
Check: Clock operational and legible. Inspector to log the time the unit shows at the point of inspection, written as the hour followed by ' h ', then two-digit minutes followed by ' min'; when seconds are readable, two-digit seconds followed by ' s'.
3 h 07 min 02 s
